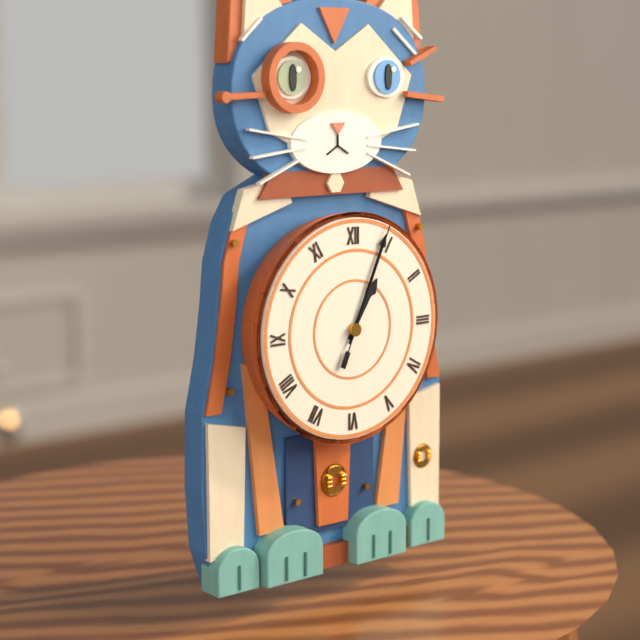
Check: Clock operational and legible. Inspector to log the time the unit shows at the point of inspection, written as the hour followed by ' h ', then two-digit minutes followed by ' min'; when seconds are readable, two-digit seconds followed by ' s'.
1 h 04 min 04 s
